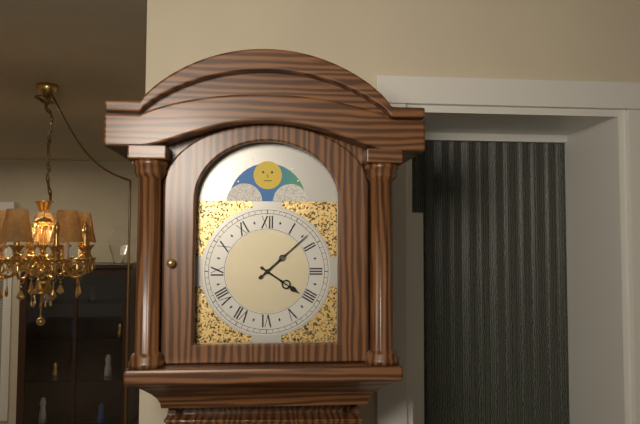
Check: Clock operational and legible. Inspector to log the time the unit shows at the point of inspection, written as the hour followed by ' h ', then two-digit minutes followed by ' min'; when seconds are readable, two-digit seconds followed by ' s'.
4 h 08 min
